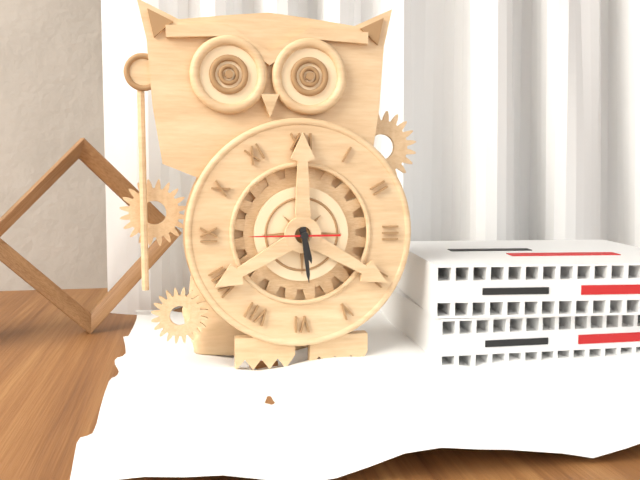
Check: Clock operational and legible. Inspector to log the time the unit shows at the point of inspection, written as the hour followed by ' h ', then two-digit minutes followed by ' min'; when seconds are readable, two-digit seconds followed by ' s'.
5 h 29 min 45 s
